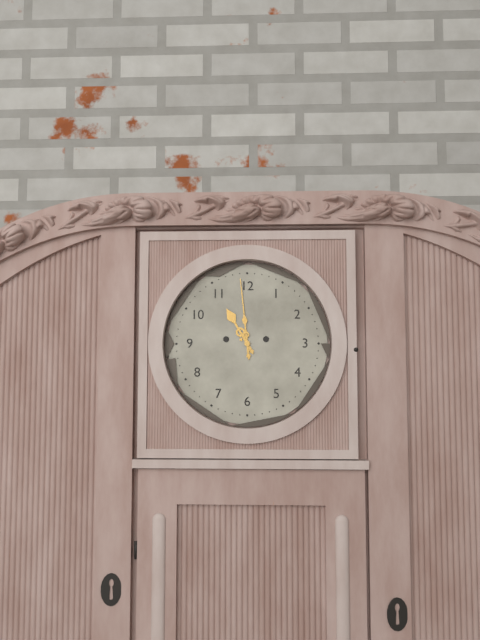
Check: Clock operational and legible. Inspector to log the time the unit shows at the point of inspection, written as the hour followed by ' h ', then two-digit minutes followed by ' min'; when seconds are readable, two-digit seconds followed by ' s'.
10 h 59 min
